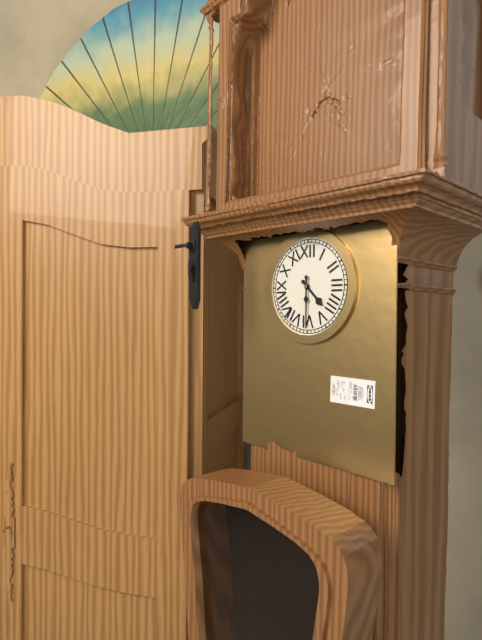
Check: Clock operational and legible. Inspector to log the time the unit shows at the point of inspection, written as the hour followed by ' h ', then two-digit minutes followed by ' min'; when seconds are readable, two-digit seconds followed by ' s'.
4 h 30 min
